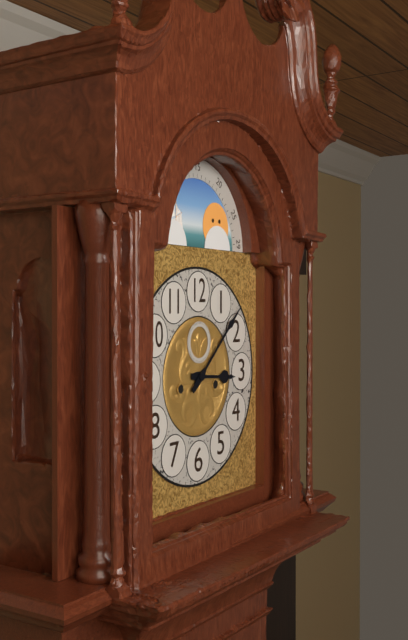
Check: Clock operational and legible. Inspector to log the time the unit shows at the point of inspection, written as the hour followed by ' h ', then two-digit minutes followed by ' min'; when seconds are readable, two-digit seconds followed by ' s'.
3 h 08 min
